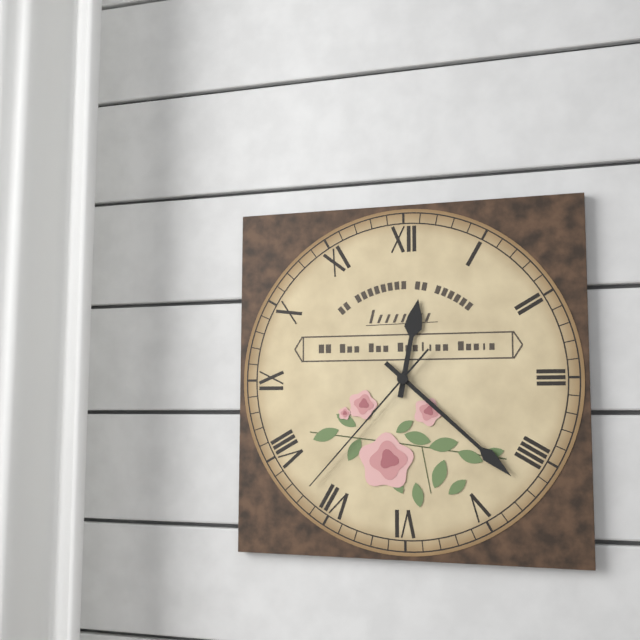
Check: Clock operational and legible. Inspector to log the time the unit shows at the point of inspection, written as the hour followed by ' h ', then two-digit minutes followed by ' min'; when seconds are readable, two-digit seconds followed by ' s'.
12 h 22 min 37 s
